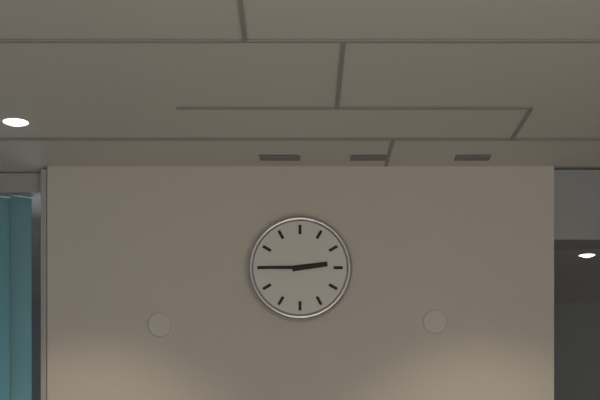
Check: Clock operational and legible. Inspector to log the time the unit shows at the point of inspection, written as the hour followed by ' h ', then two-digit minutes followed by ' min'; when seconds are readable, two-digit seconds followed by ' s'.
2 h 45 min
